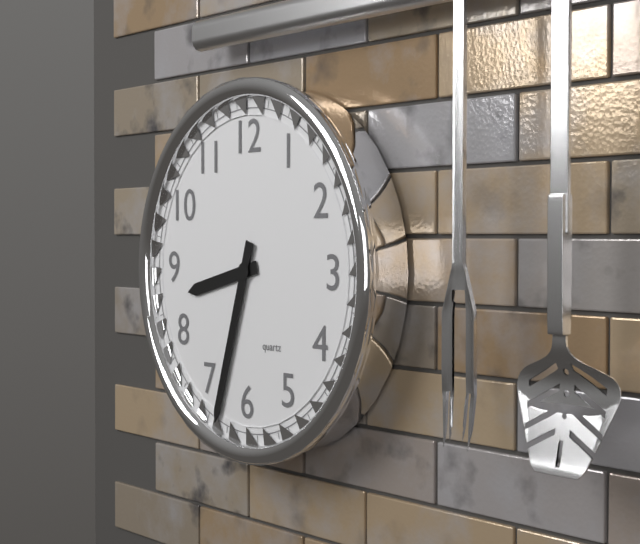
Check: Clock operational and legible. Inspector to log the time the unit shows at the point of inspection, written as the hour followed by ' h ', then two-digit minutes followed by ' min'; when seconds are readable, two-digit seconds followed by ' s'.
8 h 33 min
